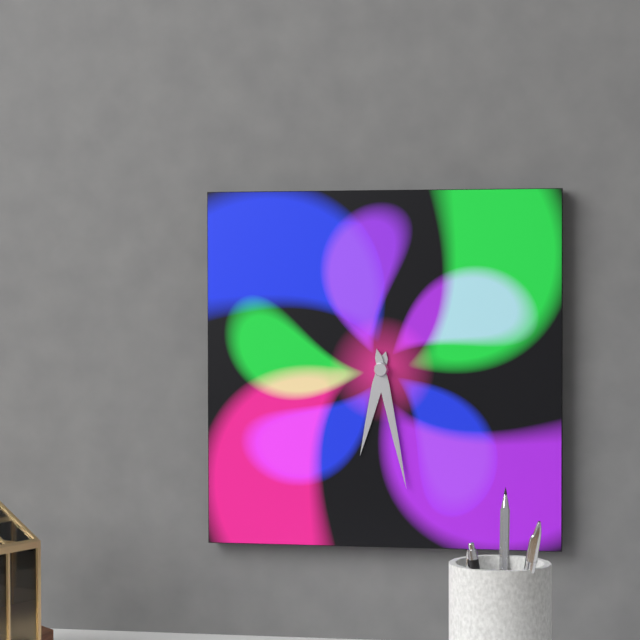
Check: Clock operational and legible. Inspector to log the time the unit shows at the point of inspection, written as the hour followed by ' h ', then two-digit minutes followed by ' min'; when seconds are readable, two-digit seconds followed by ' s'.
6 h 28 min
